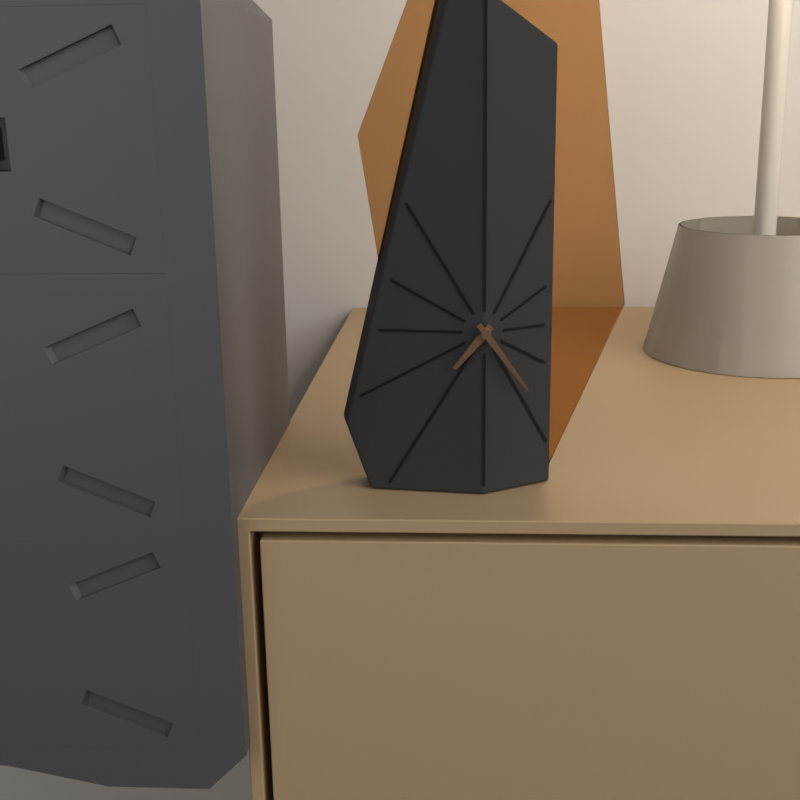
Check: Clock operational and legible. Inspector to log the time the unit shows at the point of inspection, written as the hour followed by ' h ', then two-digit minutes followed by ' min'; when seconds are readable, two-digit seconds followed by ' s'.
7 h 24 min
